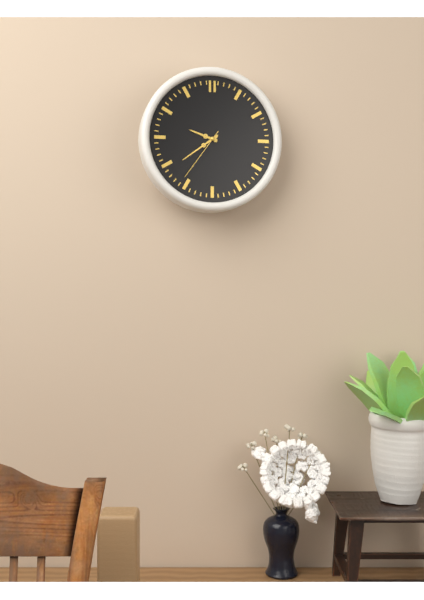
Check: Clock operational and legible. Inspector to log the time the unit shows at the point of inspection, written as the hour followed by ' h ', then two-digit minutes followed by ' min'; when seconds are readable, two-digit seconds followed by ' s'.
9 h 39 min 36 s
